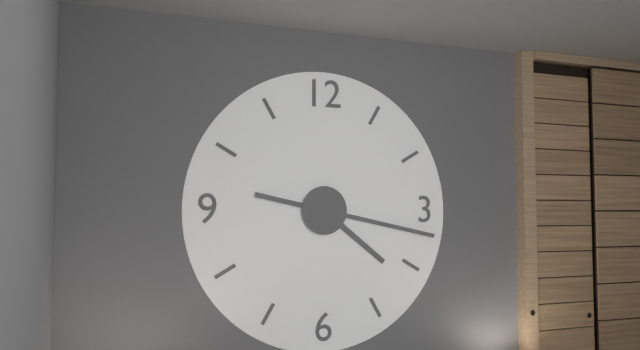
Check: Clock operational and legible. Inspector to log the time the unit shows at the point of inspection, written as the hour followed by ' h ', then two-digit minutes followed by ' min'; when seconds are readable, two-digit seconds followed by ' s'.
4 h 17 min
